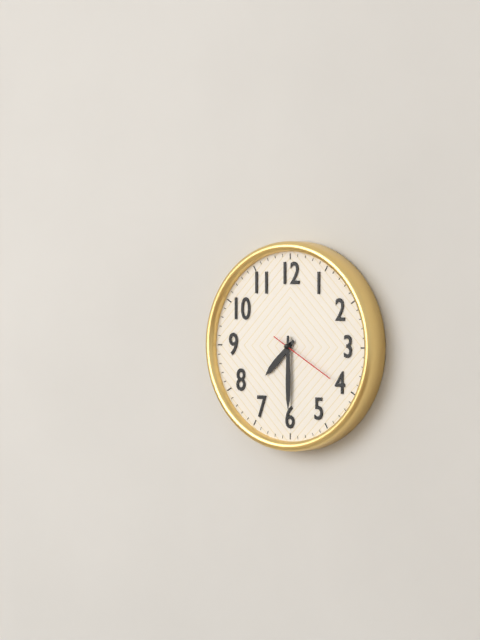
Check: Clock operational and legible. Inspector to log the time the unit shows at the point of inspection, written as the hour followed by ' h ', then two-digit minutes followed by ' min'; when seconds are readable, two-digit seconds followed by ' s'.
7 h 30 min 20 s
